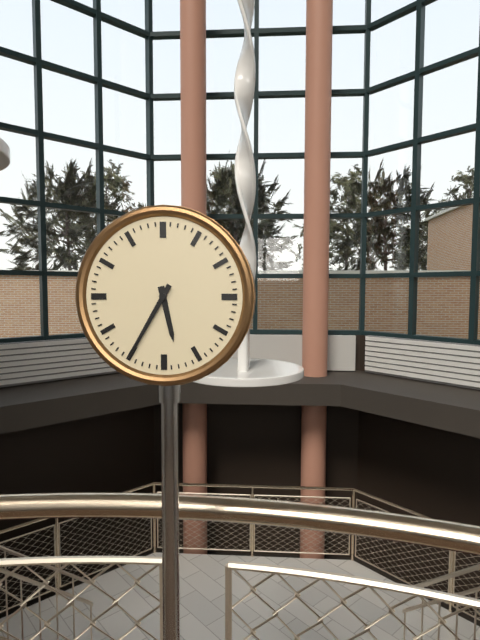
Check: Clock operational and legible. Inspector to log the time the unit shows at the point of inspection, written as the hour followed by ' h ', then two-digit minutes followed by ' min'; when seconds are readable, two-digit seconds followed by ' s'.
5 h 35 min
